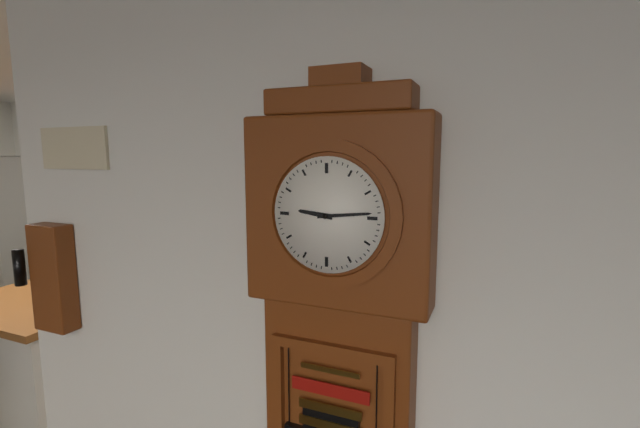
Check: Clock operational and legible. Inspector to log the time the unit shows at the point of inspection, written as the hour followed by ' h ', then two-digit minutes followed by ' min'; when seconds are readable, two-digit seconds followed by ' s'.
9 h 14 min
